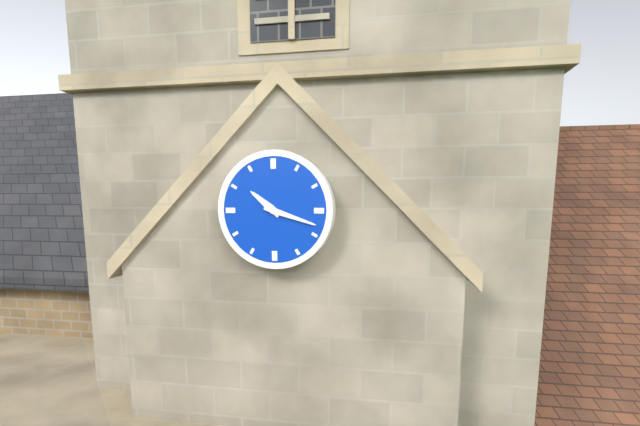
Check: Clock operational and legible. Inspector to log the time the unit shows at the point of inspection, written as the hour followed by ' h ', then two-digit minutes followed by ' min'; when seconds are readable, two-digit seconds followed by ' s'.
10 h 18 min
